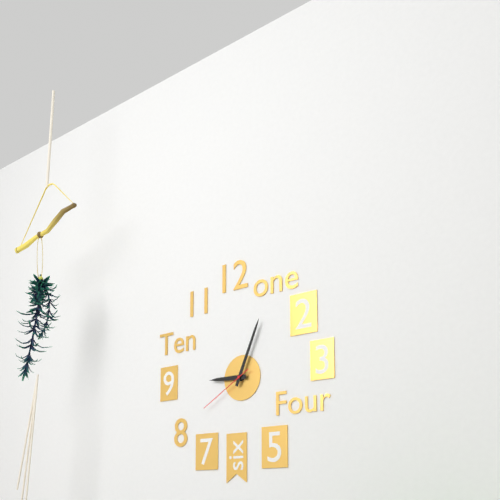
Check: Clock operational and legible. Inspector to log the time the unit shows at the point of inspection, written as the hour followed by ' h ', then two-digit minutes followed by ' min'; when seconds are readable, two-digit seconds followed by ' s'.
9 h 04 min 40 s
